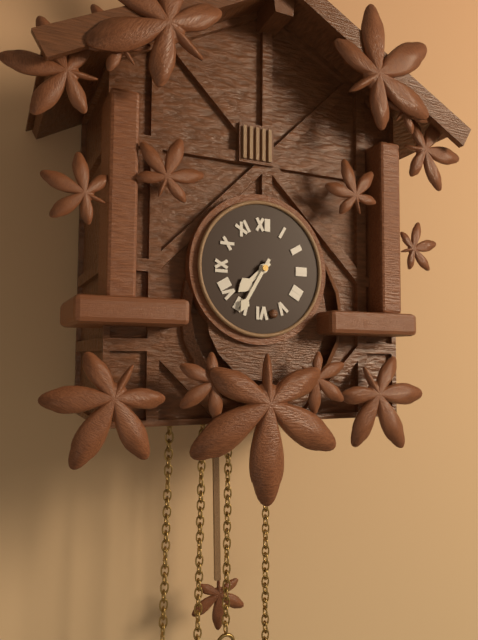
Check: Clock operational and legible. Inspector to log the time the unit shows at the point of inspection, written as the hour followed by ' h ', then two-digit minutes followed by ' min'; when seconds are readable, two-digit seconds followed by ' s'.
7 h 35 min
